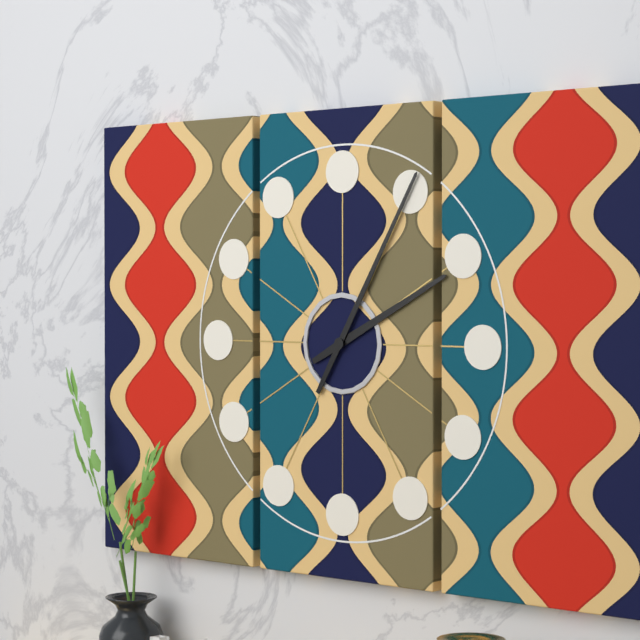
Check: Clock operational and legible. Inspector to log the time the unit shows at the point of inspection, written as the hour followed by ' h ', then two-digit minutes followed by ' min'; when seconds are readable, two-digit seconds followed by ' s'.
2 h 05 min
